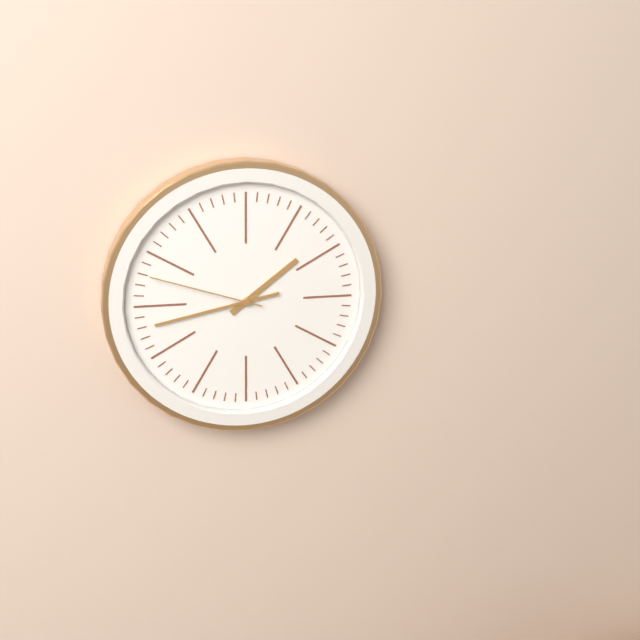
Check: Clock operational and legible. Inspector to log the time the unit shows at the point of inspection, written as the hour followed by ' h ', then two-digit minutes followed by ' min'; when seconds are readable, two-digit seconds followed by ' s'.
1 h 43 min 48 s
